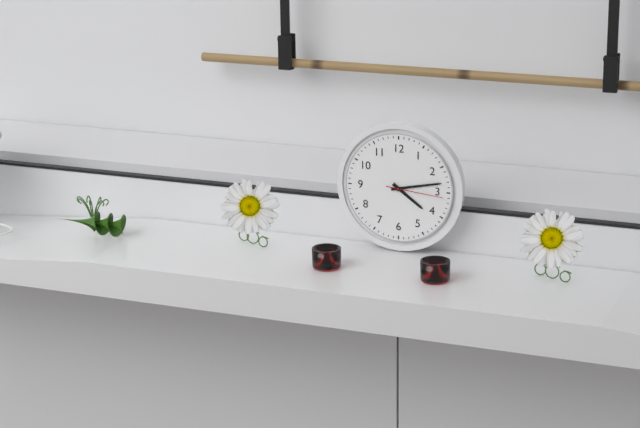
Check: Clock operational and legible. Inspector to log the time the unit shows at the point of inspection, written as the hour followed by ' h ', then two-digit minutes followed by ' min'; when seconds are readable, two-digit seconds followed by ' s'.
4 h 13 min 16 s
